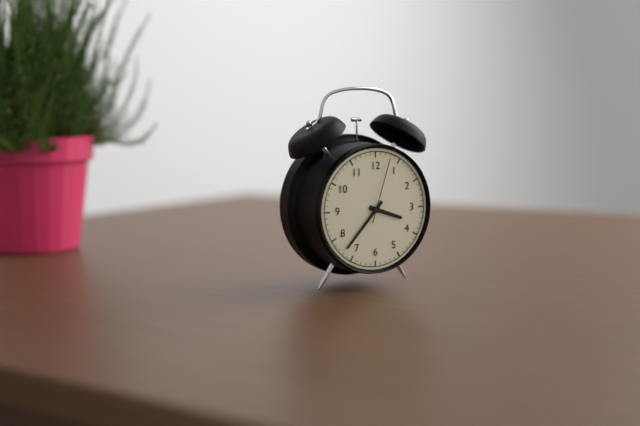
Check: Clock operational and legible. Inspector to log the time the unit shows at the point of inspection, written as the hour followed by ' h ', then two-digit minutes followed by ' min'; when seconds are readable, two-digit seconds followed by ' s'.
3 h 37 min 03 s
